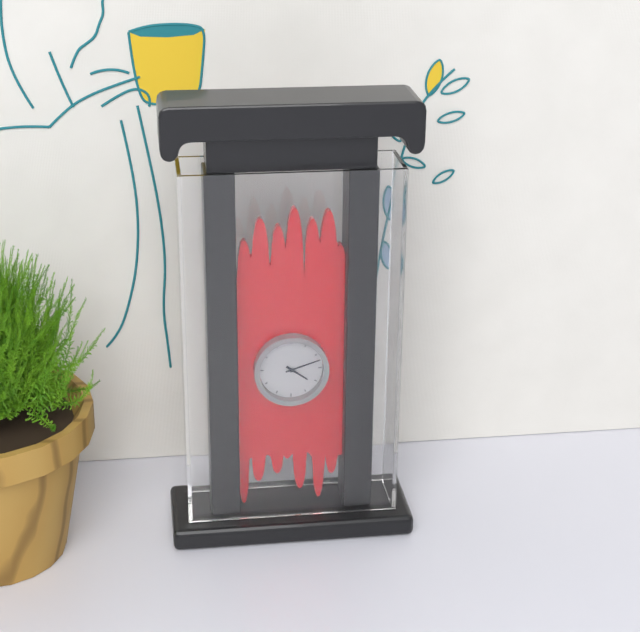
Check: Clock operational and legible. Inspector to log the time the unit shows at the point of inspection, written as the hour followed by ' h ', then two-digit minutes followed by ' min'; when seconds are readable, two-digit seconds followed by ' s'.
4 h 12 min
